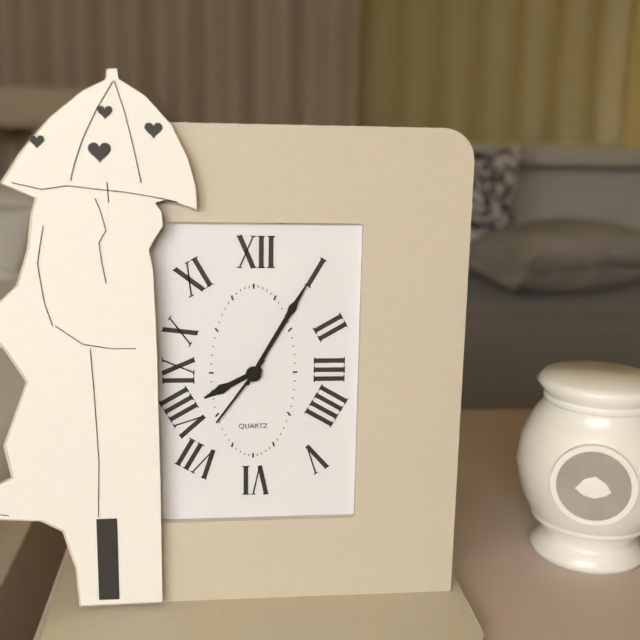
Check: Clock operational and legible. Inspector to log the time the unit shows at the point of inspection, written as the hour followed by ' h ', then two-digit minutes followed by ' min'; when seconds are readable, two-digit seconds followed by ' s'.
8 h 05 min 36 s
